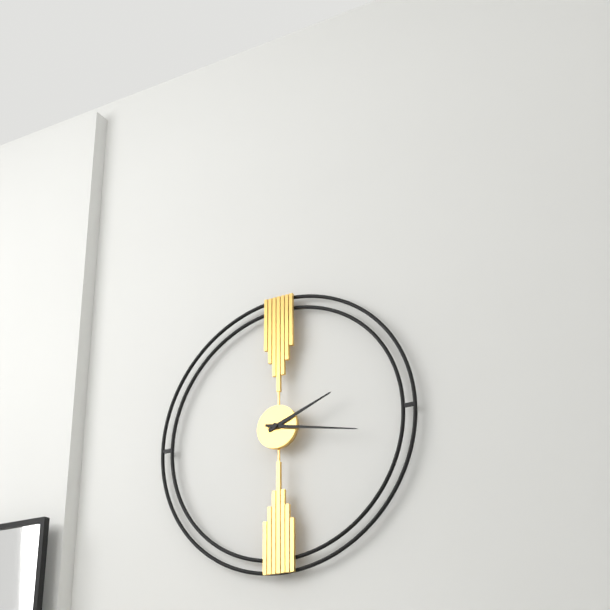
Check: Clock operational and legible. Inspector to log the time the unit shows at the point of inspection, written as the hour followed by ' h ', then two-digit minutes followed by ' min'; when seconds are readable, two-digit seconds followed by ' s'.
2 h 17 min
